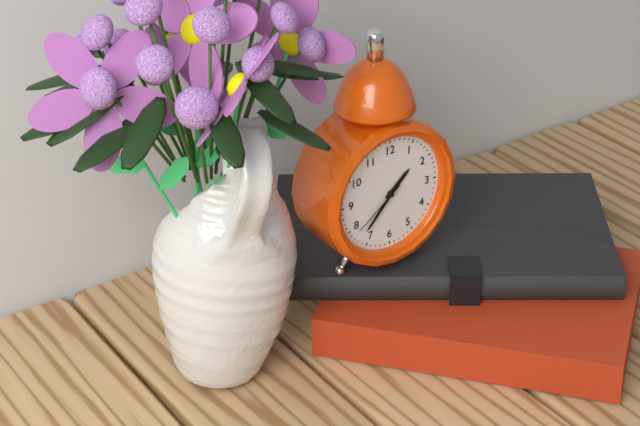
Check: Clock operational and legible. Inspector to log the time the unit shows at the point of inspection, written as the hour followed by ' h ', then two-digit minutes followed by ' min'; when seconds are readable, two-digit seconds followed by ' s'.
1 h 37 min 39 s
